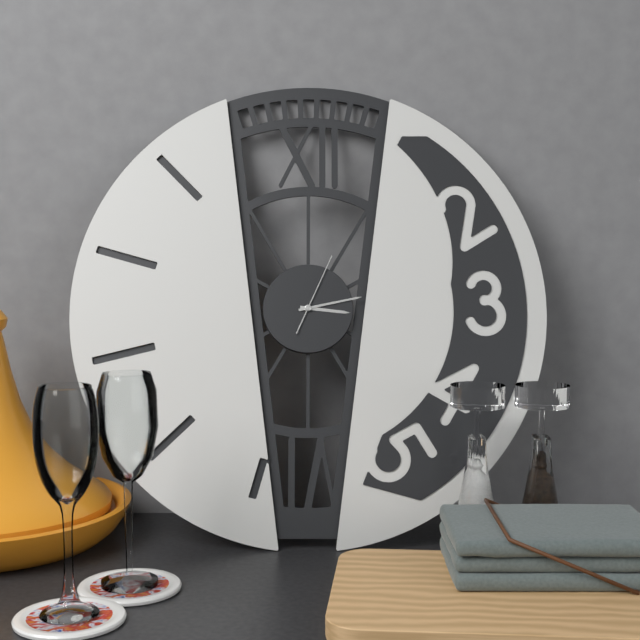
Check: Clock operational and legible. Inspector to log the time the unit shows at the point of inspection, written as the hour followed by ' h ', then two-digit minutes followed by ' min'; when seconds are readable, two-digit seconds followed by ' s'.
3 h 13 min 04 s
